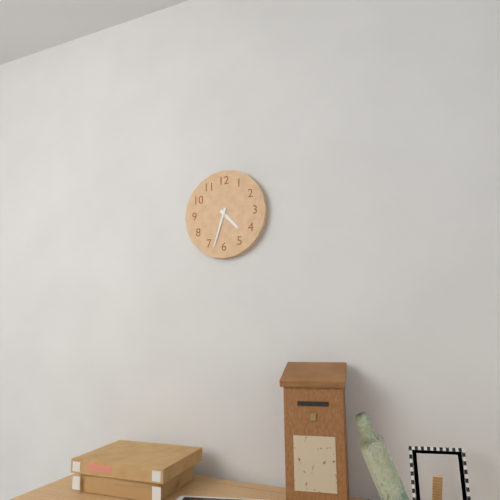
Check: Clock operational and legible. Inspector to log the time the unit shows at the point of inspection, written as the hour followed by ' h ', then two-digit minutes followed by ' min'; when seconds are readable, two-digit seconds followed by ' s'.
4 h 33 min
